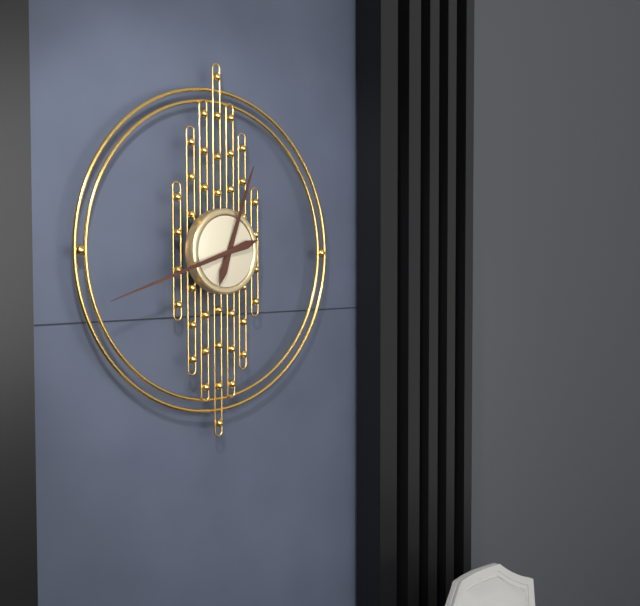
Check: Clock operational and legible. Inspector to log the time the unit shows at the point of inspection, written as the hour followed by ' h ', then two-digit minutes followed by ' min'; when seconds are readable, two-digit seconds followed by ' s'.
12 h 42 min
